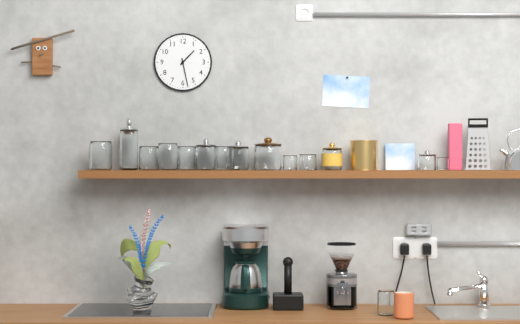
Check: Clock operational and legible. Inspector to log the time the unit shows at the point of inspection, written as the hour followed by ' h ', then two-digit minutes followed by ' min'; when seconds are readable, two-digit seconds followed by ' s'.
1 h 28 min
